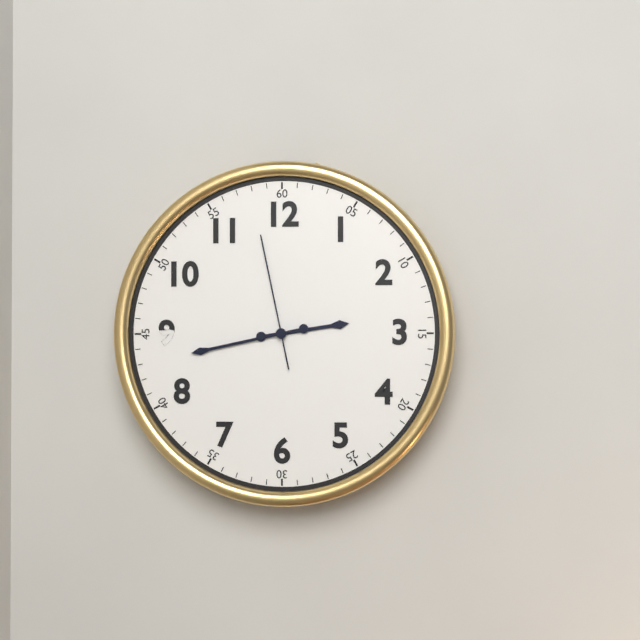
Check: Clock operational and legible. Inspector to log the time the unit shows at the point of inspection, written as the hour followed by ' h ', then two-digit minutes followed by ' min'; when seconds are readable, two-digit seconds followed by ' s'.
2 h 43 min 58 s
